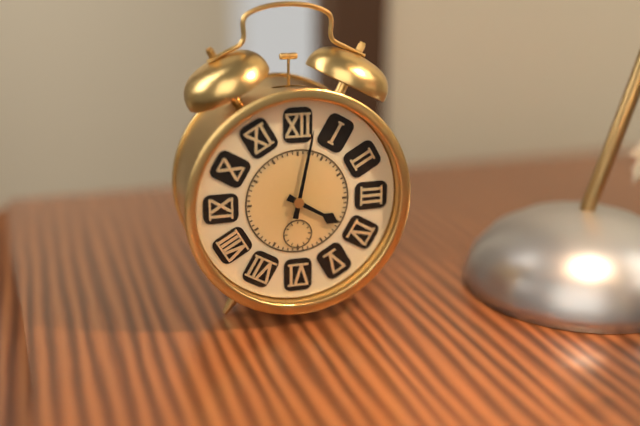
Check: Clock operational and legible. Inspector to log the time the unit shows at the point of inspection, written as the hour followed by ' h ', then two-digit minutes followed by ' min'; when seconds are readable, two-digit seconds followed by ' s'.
4 h 02 min
